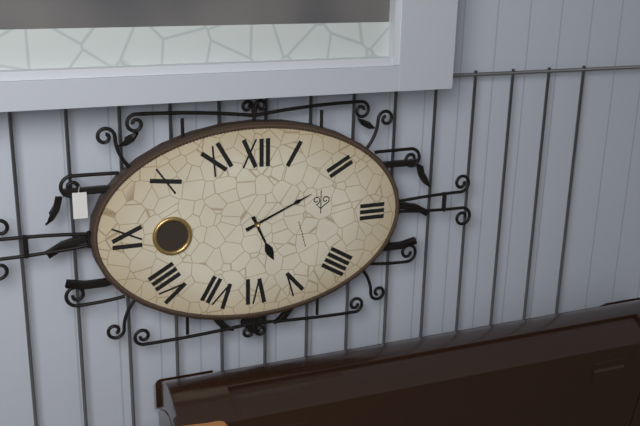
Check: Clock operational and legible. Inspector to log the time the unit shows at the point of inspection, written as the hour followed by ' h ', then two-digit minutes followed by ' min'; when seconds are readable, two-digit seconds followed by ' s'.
5 h 11 min
